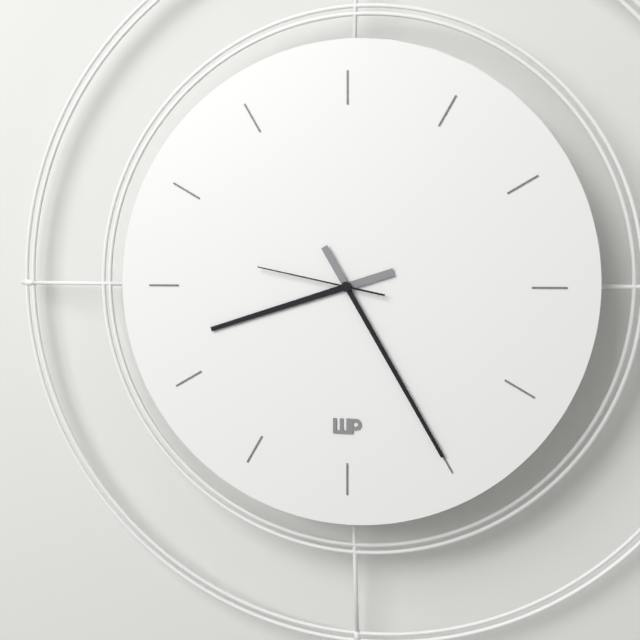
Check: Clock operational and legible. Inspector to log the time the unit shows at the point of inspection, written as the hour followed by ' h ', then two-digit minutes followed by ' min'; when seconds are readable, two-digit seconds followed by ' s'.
8 h 25 min 47 s
